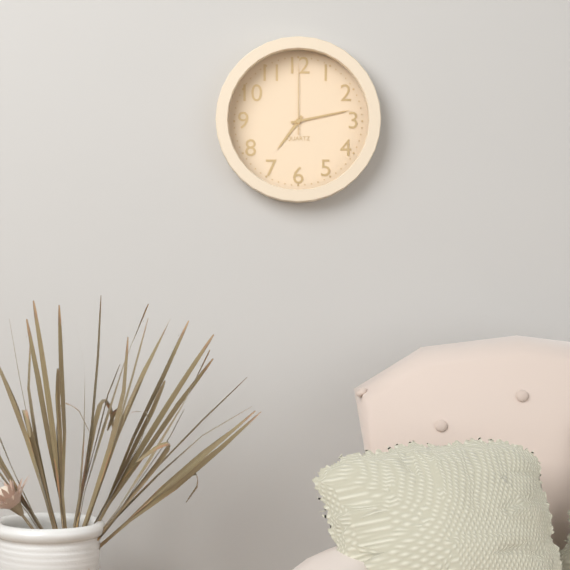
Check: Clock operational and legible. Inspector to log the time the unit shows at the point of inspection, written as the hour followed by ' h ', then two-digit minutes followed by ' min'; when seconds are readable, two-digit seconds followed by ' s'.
7 h 13 min 00 s
